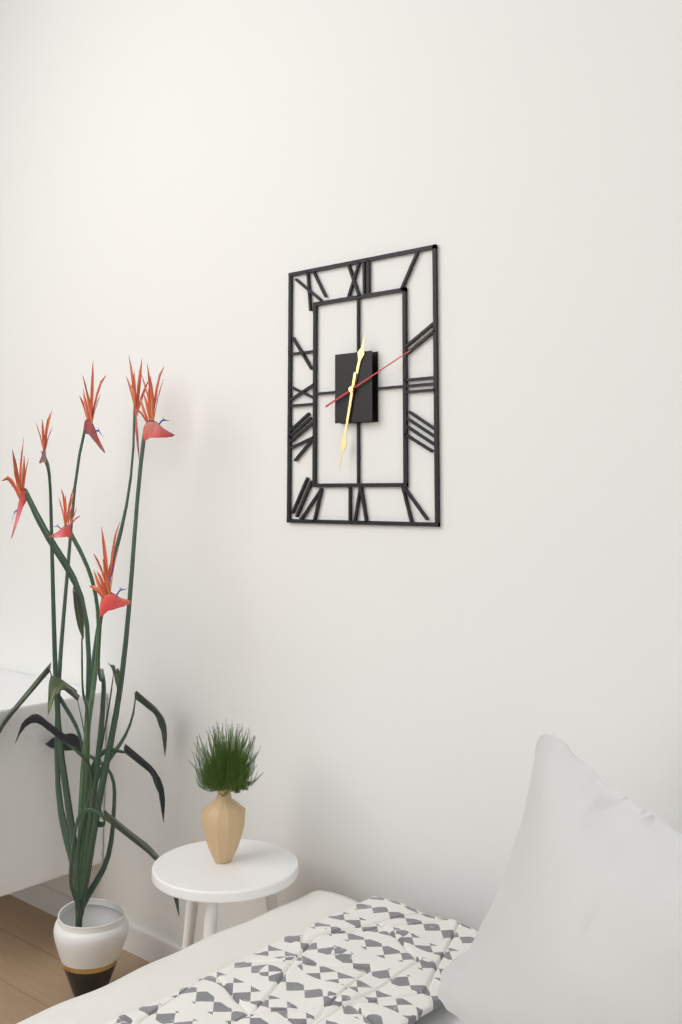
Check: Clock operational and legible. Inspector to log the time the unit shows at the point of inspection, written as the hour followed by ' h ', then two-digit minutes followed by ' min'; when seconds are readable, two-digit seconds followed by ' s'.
12 h 32 min 11 s
